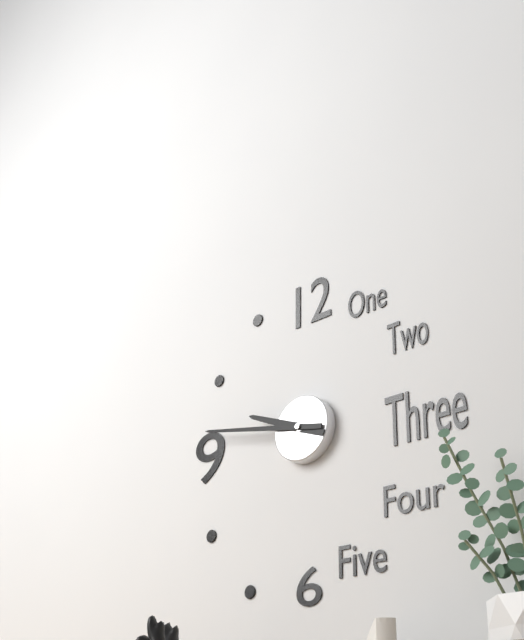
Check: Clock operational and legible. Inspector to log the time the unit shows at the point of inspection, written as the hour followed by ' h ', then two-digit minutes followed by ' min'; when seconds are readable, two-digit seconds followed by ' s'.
9 h 47 min
